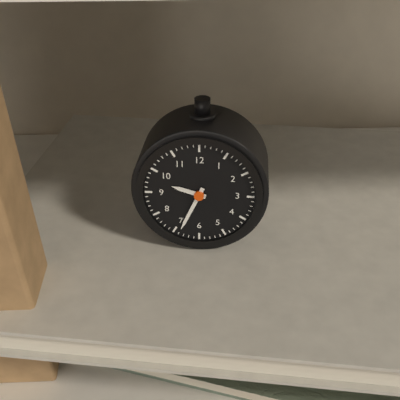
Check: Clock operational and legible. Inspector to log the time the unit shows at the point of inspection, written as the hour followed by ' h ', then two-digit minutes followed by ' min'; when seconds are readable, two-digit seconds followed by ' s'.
9 h 34 min
